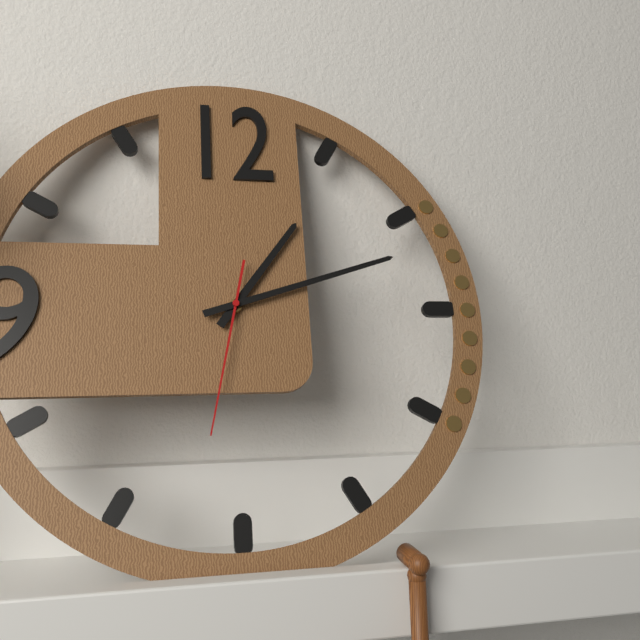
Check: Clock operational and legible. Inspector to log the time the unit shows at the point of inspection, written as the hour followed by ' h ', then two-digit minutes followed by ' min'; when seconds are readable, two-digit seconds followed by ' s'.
1 h 12 min 32 s
